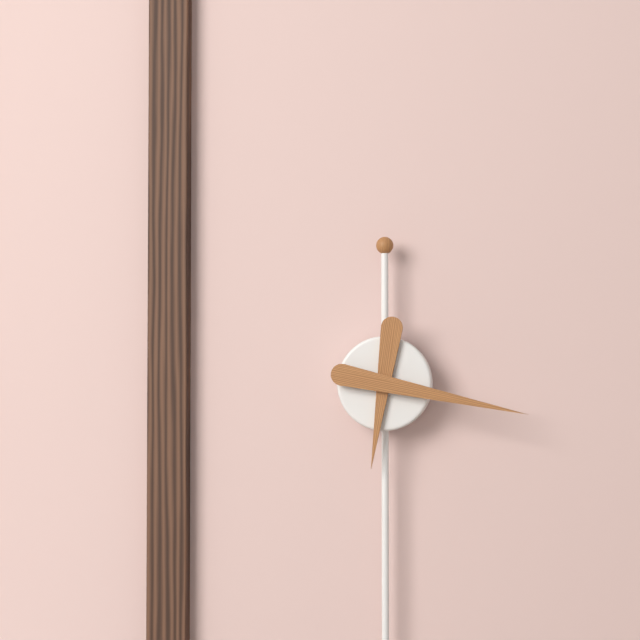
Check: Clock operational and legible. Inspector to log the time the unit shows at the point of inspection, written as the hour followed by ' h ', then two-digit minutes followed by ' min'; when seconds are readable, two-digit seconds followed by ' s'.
6 h 17 min
